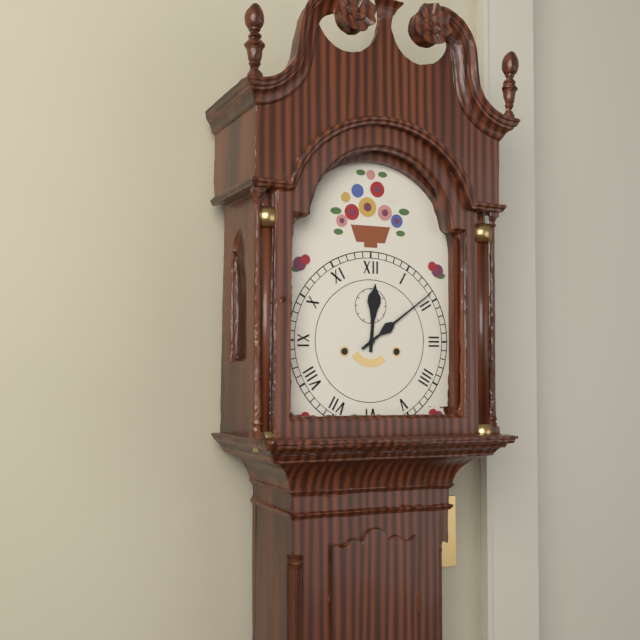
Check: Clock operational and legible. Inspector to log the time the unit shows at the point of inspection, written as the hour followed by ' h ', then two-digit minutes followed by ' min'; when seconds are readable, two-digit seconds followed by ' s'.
12 h 09 min
